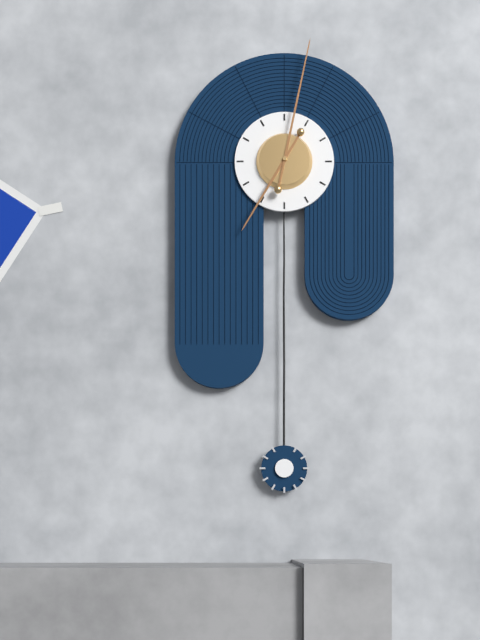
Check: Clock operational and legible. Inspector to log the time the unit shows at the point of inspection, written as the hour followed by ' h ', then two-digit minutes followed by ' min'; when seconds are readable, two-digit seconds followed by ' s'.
7 h 02 min
